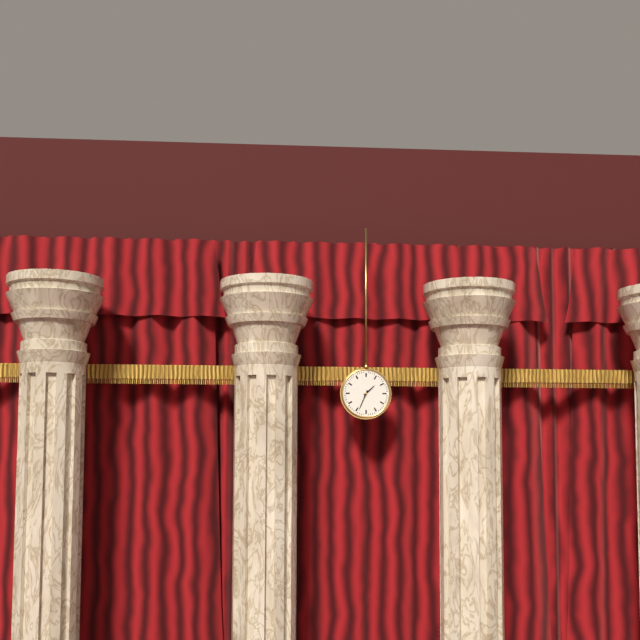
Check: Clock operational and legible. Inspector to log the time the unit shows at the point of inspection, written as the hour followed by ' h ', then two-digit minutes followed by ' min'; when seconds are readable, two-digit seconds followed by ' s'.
1 h 34 min
